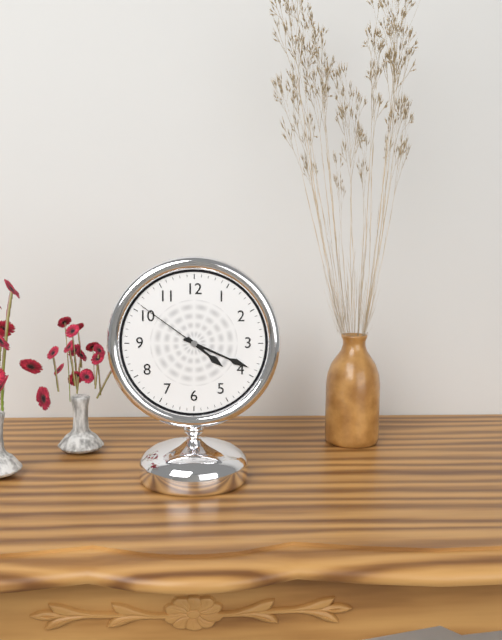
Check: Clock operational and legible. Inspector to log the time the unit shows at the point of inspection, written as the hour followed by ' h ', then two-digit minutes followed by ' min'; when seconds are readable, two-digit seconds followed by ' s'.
4 h 19 min 51 s
